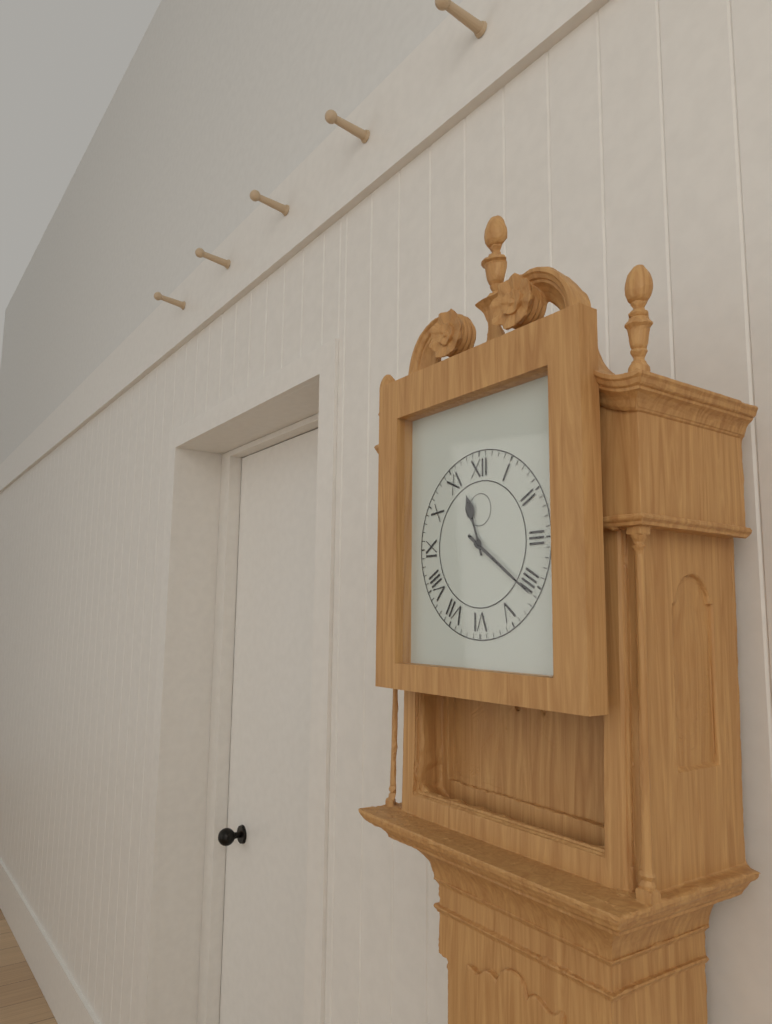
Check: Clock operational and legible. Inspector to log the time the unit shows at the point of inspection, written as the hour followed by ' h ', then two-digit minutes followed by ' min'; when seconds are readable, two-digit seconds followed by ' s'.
11 h 21 min
